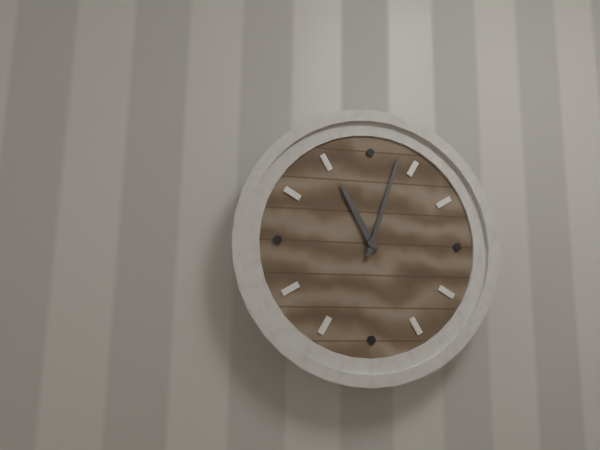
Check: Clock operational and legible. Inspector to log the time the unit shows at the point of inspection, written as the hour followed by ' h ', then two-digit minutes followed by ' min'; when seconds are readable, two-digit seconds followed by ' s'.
11 h 03 min
